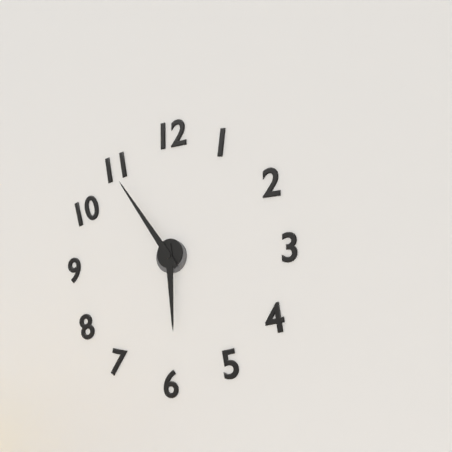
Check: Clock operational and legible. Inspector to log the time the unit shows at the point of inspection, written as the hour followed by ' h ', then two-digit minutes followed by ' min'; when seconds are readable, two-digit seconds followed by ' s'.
5 h 54 min
